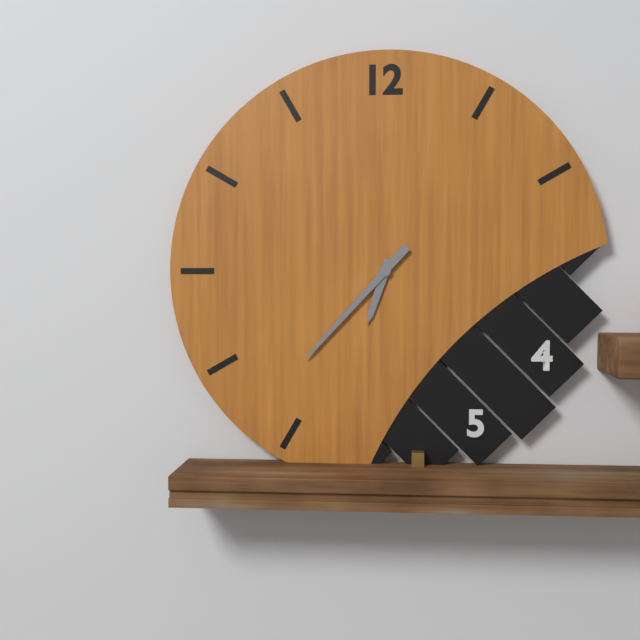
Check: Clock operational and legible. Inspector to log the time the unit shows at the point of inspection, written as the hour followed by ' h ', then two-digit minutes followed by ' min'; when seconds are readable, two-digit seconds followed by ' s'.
6 h 37 min
